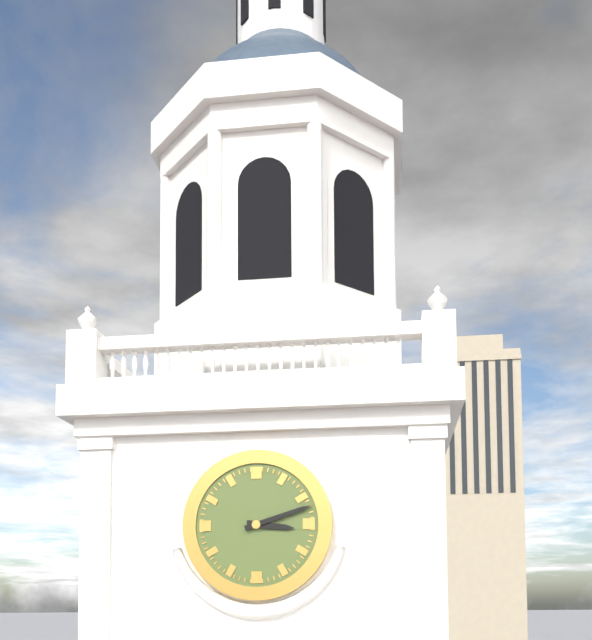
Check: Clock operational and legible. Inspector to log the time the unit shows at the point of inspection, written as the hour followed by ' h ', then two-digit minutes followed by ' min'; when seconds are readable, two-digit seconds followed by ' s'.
3 h 12 min
